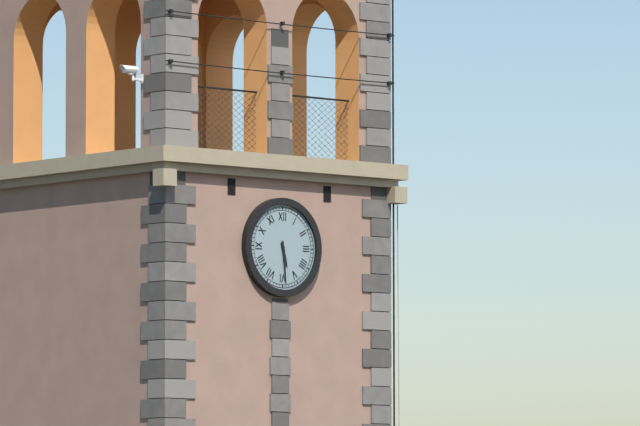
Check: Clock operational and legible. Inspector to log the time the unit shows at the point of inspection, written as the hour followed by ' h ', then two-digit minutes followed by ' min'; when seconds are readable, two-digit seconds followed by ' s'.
5 h 29 min
